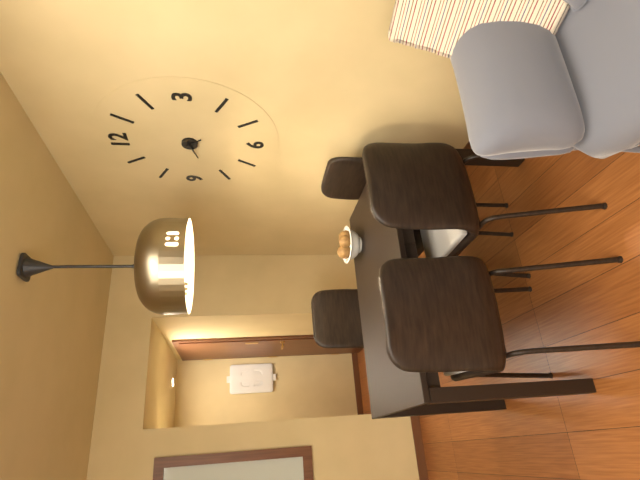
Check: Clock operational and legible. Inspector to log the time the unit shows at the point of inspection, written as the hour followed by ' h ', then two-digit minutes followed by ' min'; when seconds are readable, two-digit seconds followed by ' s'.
4 h 42 min
